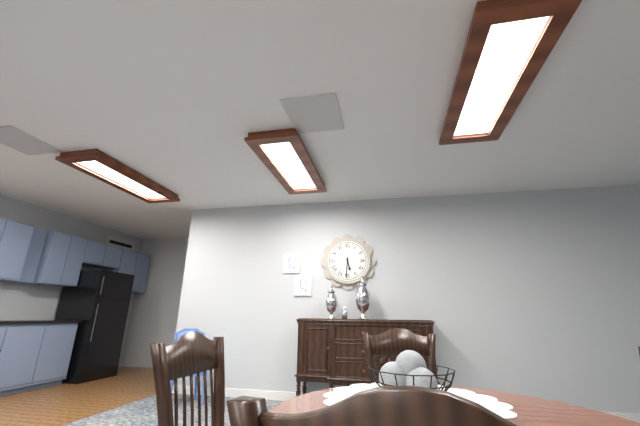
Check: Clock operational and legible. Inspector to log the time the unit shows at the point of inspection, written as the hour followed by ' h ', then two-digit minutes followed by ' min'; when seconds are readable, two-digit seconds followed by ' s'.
5 h 31 min
